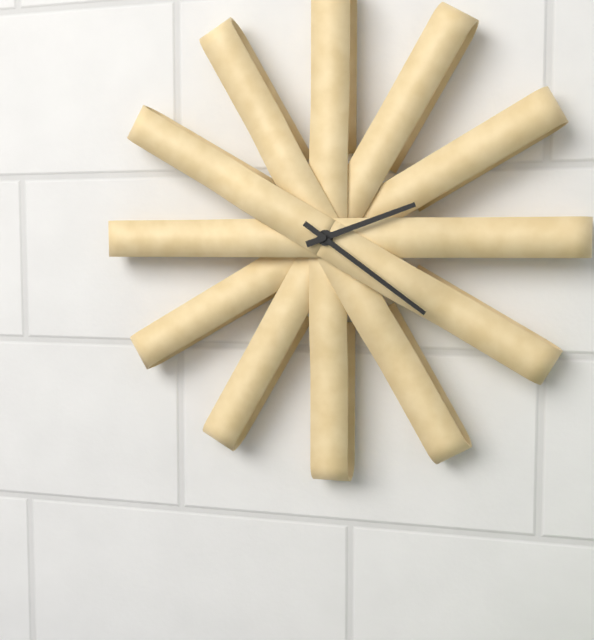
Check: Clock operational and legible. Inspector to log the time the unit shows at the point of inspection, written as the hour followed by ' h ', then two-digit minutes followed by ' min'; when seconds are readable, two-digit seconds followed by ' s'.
2 h 21 min
